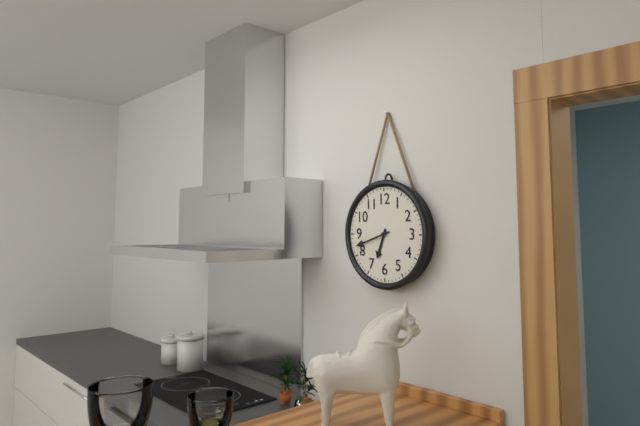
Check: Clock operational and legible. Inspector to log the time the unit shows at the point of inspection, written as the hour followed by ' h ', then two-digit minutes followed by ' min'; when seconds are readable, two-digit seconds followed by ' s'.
6 h 42 min
